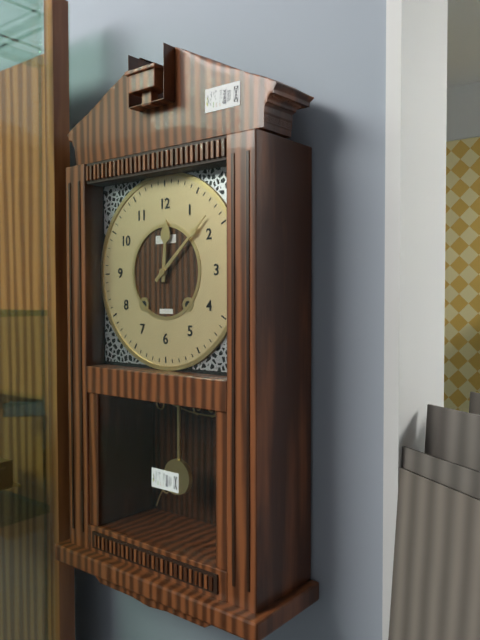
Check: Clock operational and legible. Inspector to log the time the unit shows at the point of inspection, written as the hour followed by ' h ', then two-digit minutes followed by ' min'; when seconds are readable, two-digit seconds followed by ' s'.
12 h 08 min
